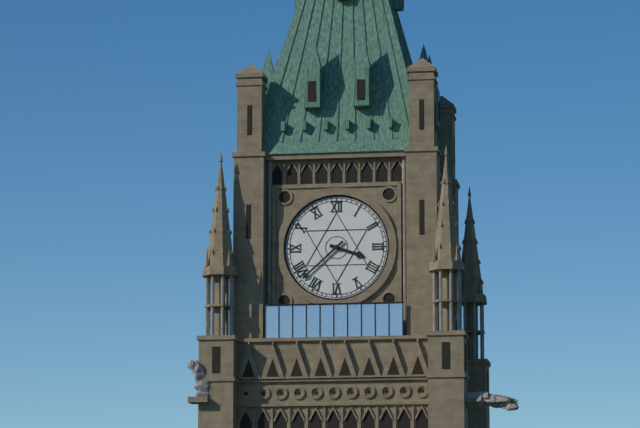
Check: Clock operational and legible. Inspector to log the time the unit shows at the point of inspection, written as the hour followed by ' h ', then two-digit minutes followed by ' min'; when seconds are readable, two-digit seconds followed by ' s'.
3 h 38 min
